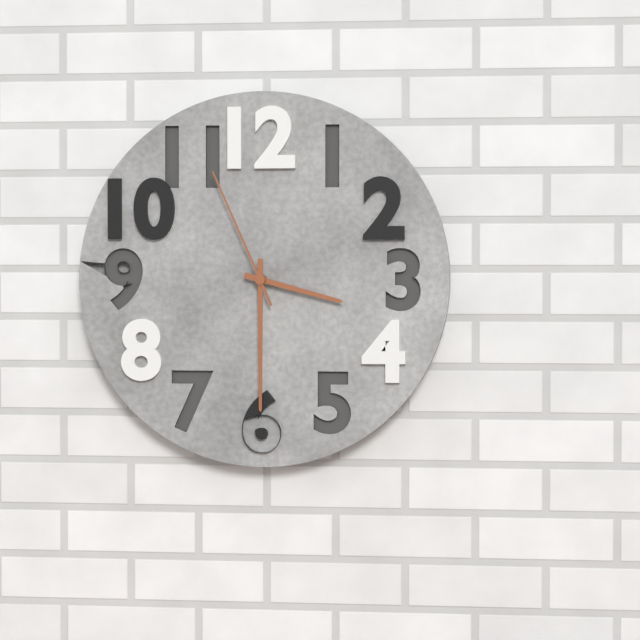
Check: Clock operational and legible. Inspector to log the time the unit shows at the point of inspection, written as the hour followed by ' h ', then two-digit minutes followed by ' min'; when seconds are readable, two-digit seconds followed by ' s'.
3 h 30 min 56 s
